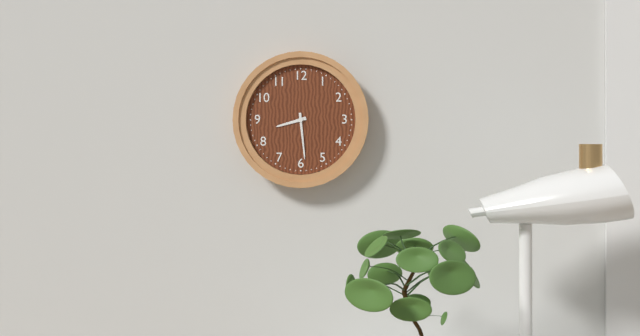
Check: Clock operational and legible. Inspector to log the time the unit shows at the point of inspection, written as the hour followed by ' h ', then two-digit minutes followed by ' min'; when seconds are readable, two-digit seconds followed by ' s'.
8 h 29 min
